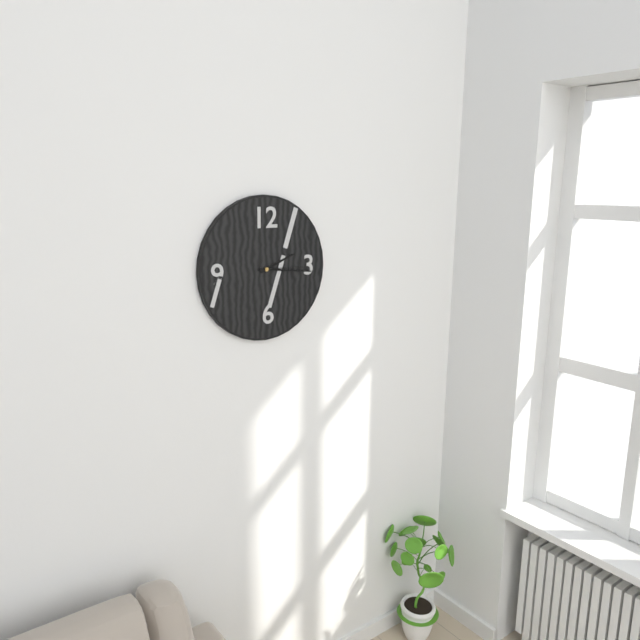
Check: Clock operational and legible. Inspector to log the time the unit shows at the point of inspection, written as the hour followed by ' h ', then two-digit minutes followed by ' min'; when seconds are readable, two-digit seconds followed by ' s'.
2 h 16 min
